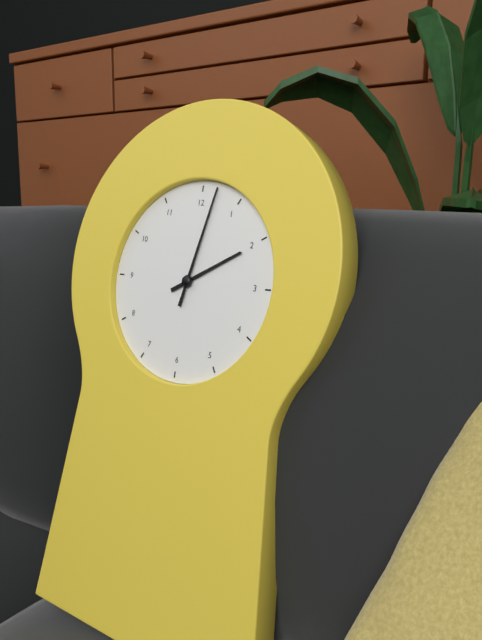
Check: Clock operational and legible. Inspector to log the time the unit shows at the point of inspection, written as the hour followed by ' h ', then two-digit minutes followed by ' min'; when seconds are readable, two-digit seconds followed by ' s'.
2 h 02 min
